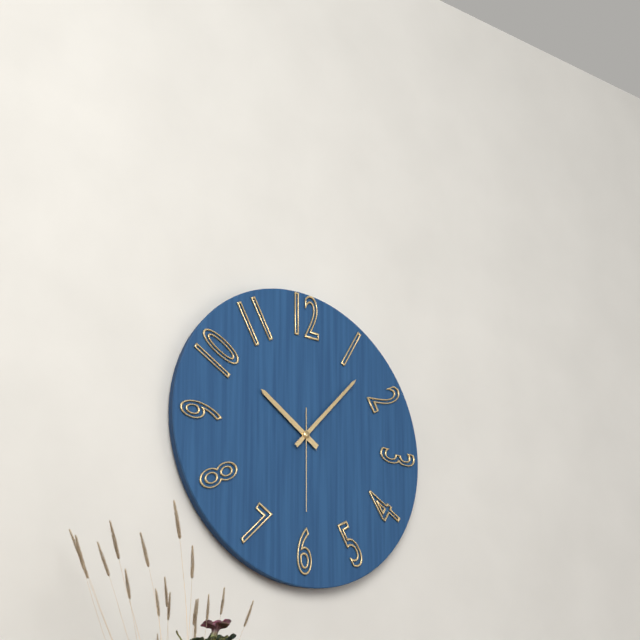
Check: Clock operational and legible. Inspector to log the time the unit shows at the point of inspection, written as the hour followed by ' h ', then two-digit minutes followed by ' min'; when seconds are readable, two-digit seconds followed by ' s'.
10 h 07 min 30 s
